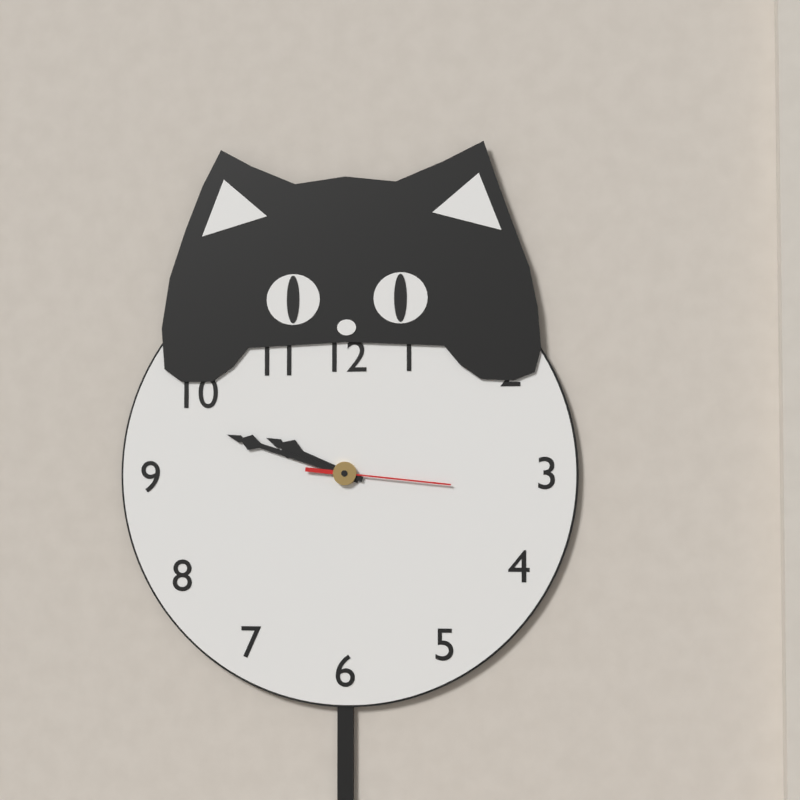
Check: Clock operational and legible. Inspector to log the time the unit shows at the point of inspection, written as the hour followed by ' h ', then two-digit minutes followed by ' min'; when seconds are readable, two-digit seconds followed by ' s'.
9 h 48 min 16 s
